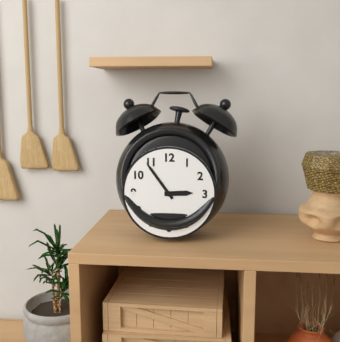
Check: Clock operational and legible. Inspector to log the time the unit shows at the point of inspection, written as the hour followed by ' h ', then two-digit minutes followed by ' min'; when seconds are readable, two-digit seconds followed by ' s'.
2 h 54 min
